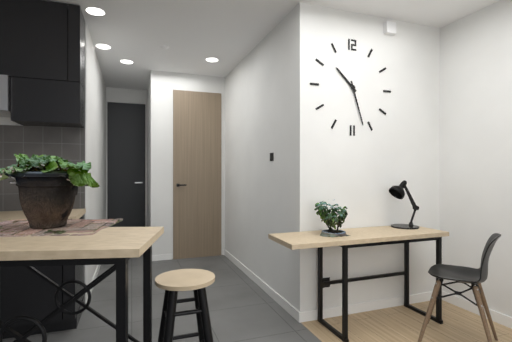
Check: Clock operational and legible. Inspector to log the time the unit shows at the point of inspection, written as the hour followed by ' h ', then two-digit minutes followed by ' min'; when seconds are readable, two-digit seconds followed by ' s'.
10 h 27 min
